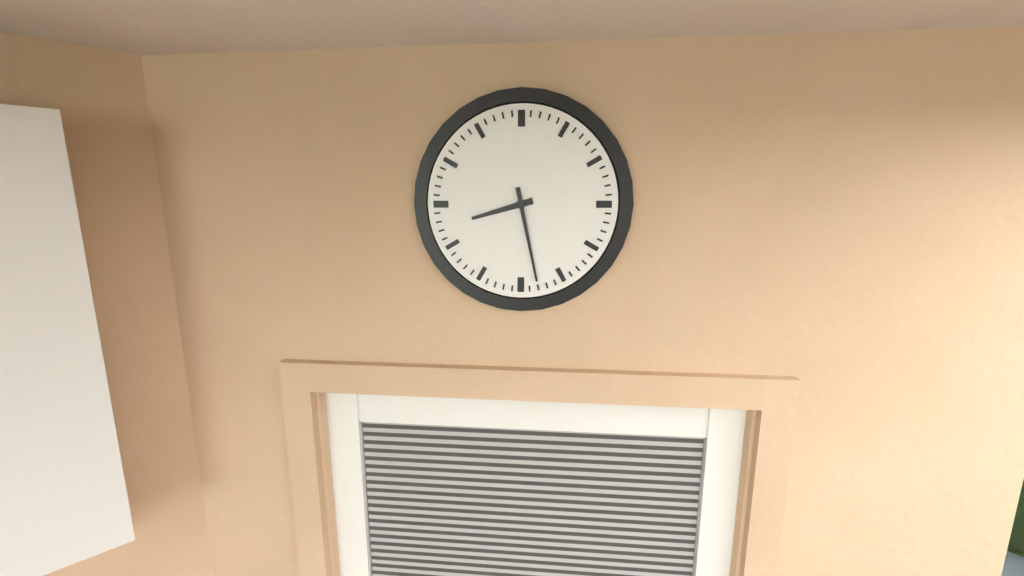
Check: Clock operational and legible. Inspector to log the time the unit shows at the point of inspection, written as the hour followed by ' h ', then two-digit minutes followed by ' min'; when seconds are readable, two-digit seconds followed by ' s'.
8 h 28 min
